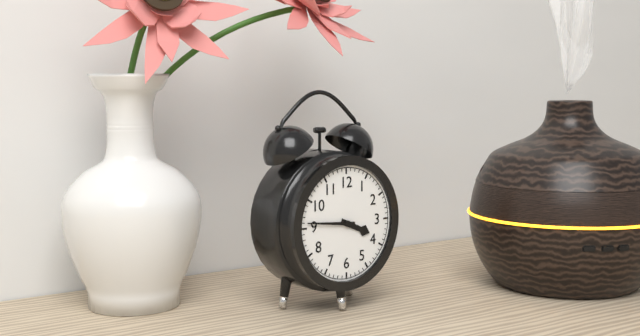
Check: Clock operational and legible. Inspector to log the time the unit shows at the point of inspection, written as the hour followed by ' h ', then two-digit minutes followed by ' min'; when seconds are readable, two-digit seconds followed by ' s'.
3 h 46 min
